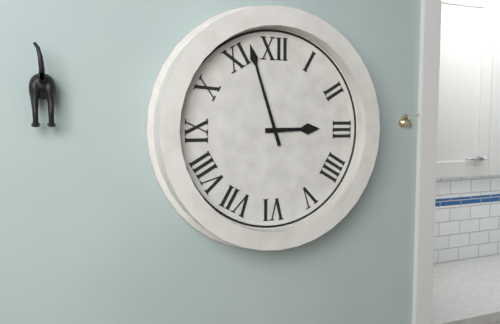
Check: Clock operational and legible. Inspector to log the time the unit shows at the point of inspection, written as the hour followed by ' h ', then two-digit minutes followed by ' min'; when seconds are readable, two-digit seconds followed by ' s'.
2 h 57 min
